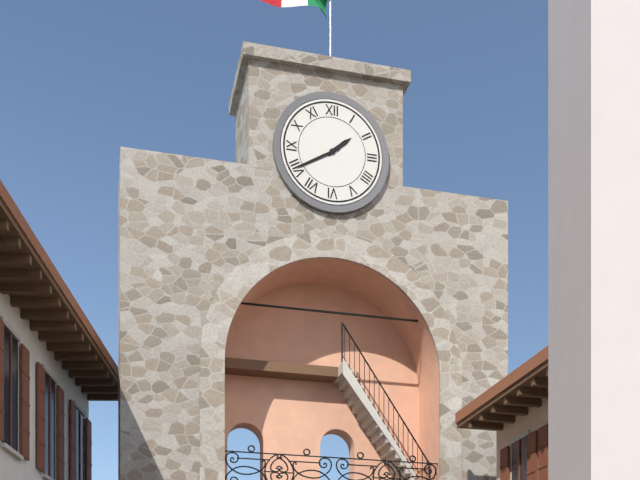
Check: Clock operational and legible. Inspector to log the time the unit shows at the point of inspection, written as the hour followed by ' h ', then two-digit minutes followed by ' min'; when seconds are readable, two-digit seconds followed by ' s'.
1 h 40 min
